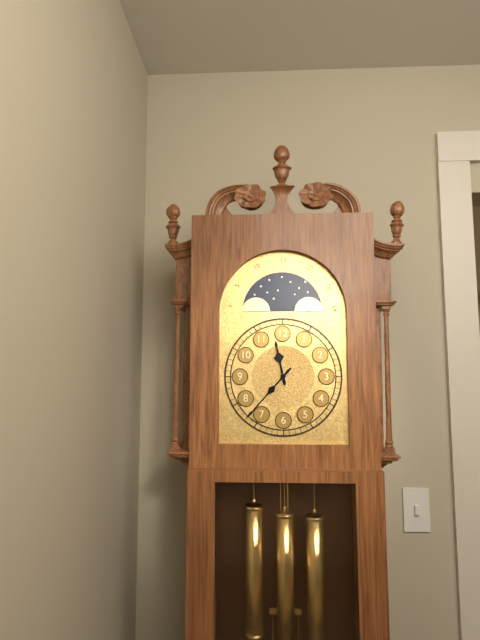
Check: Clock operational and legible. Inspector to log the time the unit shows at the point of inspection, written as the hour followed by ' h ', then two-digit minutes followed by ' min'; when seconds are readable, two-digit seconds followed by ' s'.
11 h 37 min
